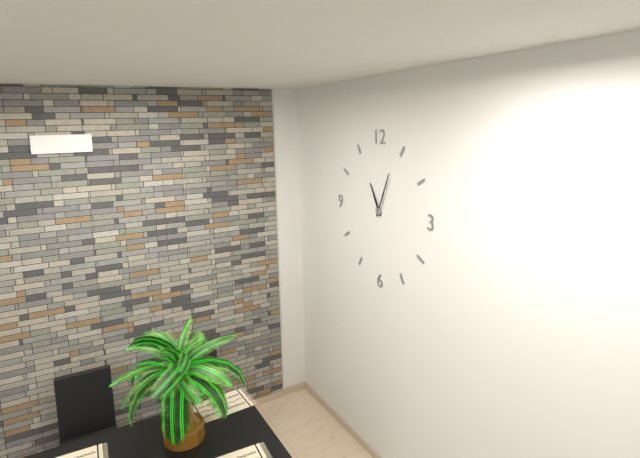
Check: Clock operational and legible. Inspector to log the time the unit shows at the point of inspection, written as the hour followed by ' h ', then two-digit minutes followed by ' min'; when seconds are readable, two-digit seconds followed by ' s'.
11 h 04 min
